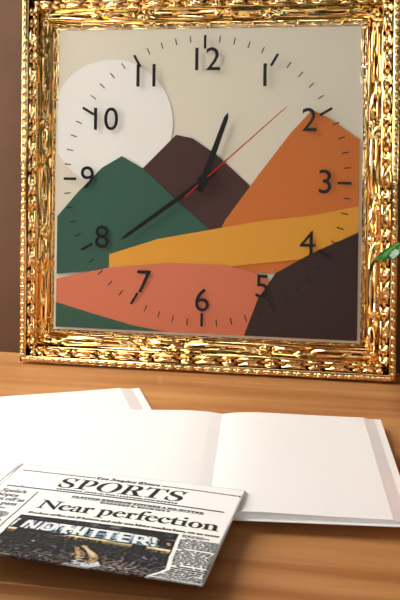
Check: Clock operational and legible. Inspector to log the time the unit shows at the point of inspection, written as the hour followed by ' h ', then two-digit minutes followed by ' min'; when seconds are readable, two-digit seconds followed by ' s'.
12 h 39 min 08 s
